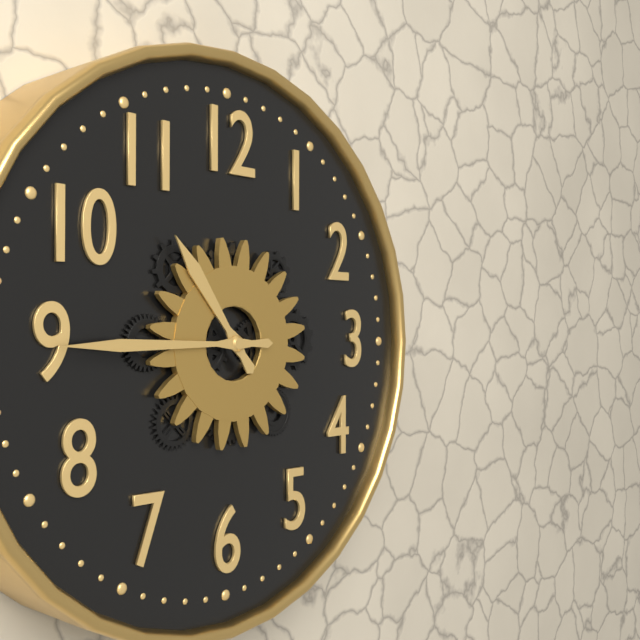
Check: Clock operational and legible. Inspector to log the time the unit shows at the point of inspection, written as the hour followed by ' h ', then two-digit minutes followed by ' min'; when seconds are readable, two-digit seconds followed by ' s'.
10 h 45 min
